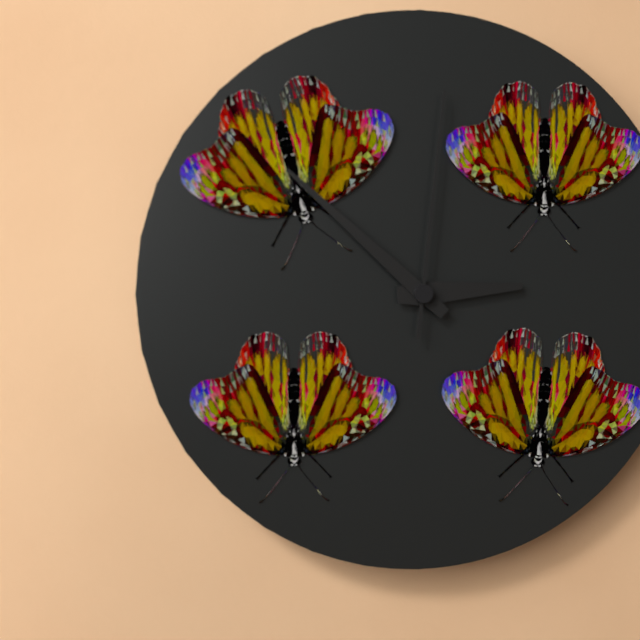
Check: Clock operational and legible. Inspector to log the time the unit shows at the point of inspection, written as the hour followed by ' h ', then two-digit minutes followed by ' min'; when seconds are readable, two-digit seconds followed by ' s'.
2 h 52 min 01 s
